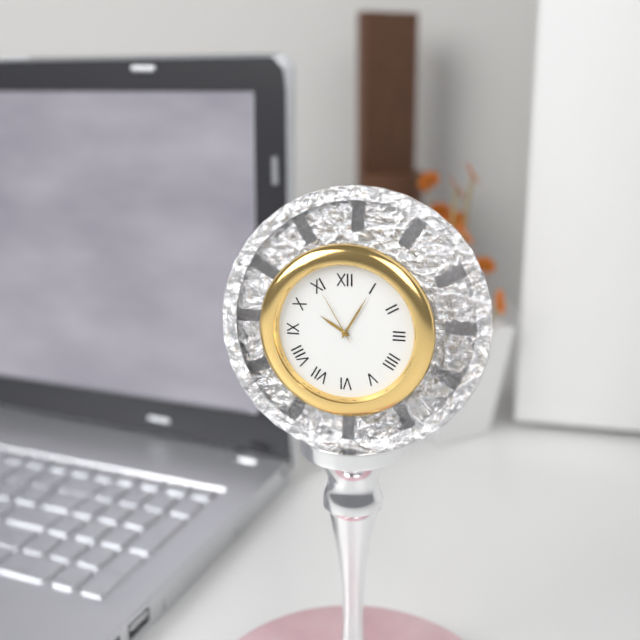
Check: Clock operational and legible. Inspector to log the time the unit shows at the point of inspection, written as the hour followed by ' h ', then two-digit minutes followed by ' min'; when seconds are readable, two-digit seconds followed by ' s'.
10 h 05 min 55 s
